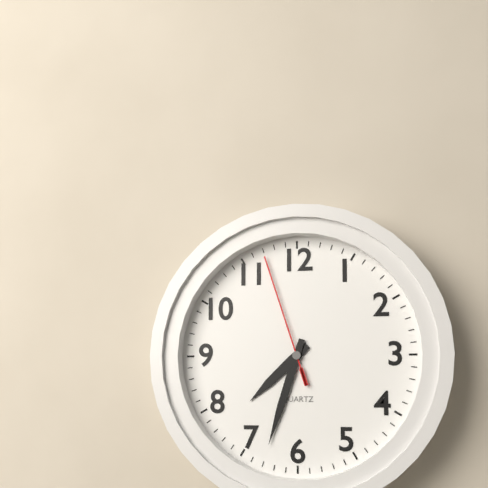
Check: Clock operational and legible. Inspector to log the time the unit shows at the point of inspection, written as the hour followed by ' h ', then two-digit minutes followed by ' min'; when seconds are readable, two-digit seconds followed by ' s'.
7 h 33 min 57 s
